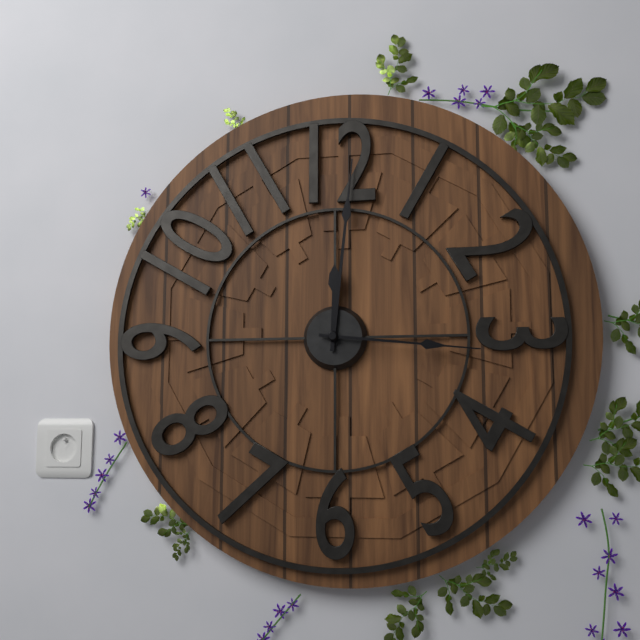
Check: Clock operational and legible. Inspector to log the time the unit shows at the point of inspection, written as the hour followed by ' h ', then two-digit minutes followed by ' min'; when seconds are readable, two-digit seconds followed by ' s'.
12 h 01 min 16 s
